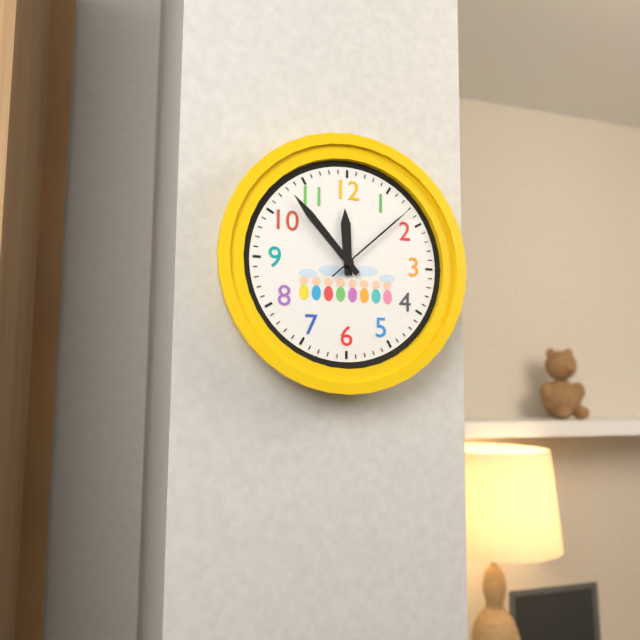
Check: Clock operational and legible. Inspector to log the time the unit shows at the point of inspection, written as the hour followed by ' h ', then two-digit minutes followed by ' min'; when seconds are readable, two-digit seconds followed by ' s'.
11 h 53 min 08 s
